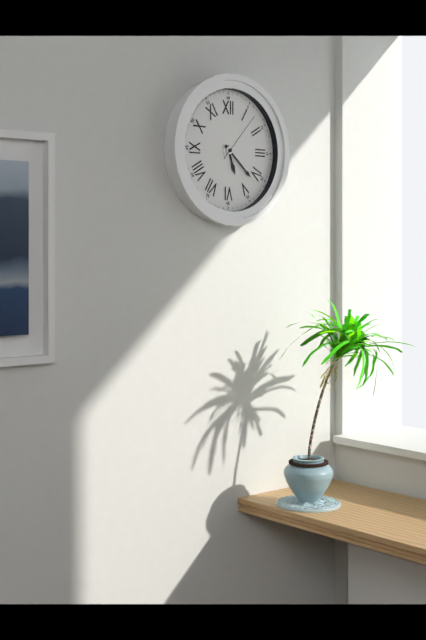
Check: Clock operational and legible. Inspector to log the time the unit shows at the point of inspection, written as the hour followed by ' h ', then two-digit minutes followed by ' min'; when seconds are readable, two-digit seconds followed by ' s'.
5 h 22 min 07 s
